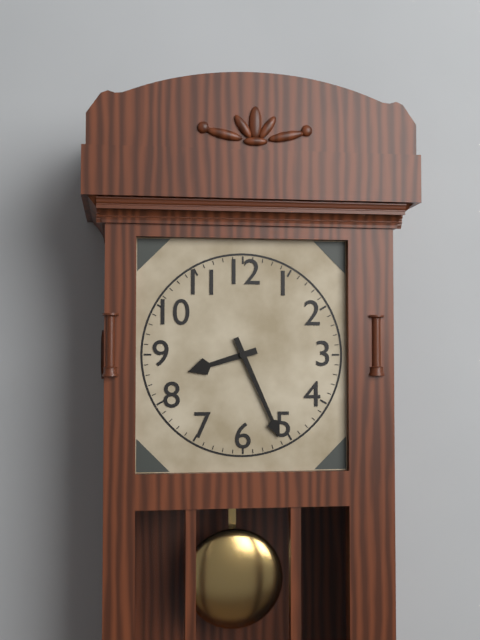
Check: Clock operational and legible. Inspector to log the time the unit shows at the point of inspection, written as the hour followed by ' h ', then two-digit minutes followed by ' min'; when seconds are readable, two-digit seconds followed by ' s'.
8 h 26 min
